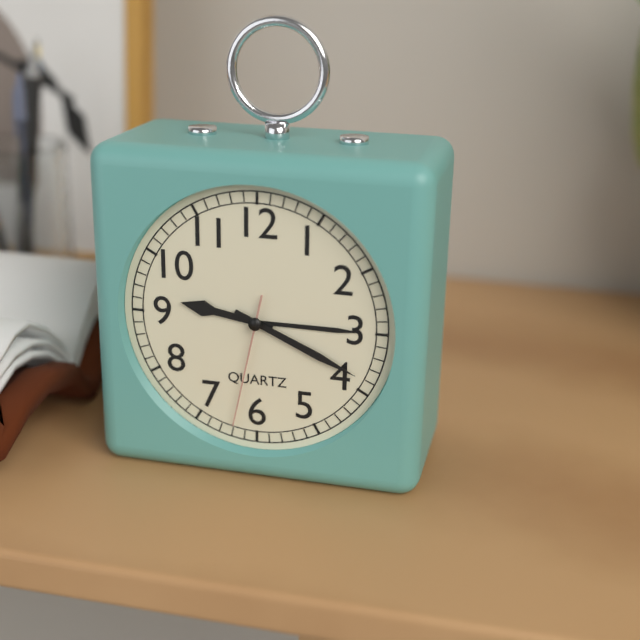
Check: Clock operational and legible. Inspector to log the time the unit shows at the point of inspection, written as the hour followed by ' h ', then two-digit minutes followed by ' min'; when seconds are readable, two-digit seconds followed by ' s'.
9 h 19 min 32 s
